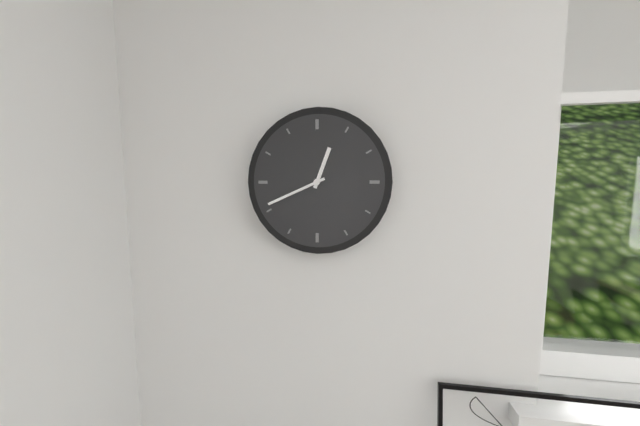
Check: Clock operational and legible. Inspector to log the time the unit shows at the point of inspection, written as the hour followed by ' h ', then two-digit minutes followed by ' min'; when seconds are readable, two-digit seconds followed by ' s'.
12 h 41 min
